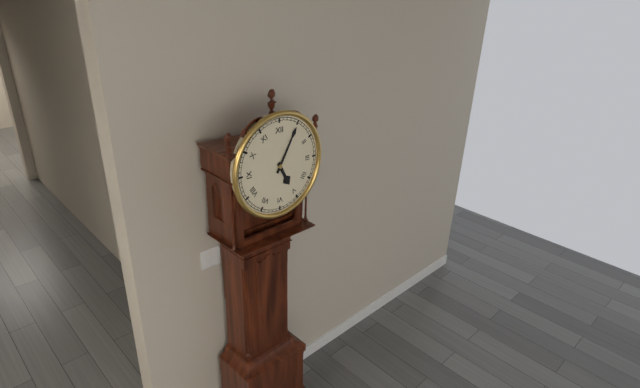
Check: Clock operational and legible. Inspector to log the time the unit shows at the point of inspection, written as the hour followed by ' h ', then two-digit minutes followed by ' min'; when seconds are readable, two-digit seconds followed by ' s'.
5 h 05 min
